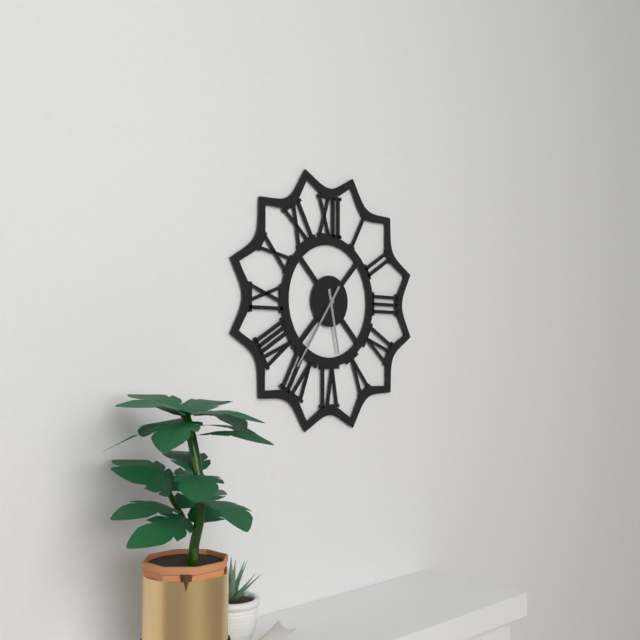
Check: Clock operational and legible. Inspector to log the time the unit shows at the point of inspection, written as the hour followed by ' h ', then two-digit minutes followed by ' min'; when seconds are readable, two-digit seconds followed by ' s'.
5 h 36 min 36 s
